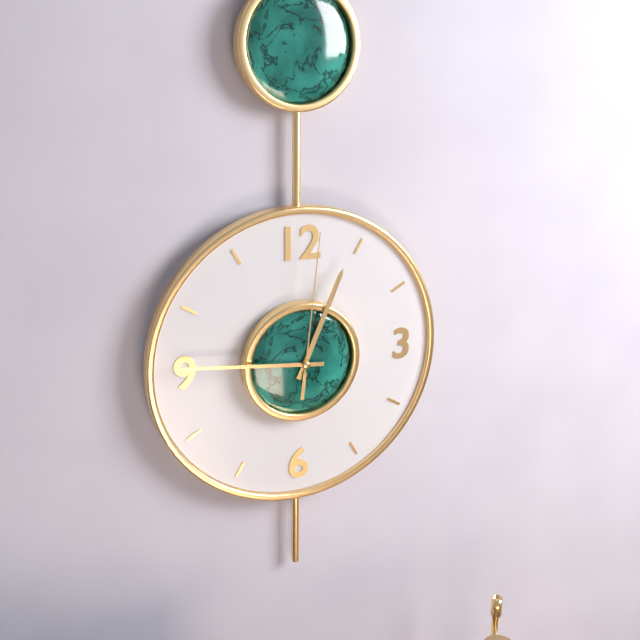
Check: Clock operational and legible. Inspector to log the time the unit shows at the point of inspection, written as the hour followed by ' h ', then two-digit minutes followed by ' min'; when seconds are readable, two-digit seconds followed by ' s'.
12 h 46 min 01 s
